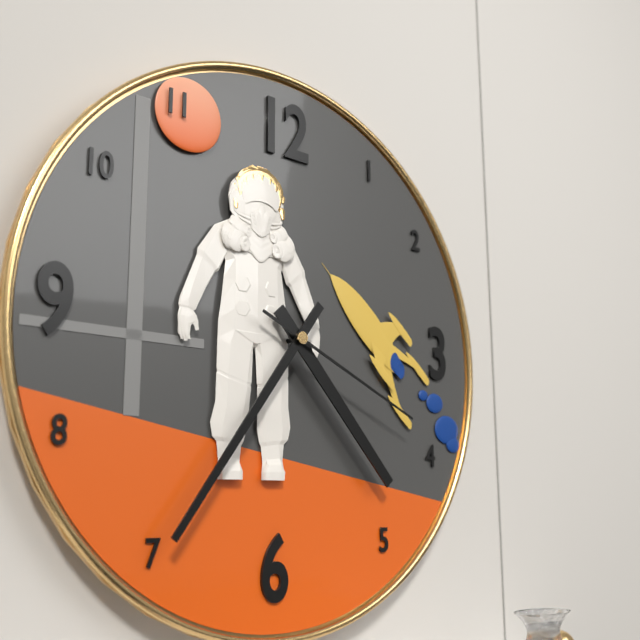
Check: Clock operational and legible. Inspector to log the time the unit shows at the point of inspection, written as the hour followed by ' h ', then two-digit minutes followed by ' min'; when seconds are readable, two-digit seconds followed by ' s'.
4 h 36 min 19 s
